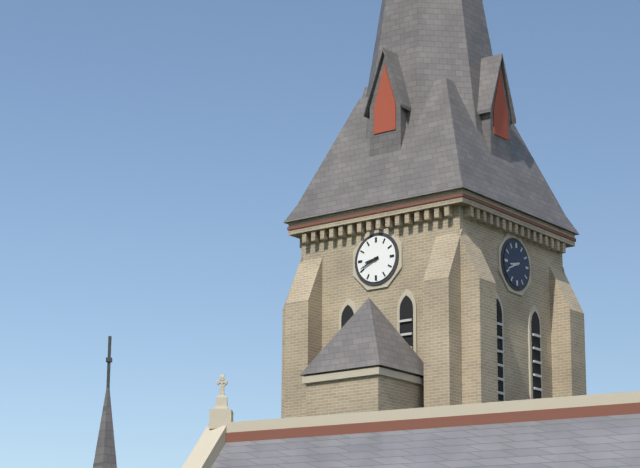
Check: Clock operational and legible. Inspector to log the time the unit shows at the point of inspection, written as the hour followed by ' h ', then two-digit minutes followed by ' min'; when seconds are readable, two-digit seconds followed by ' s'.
8 h 41 min
